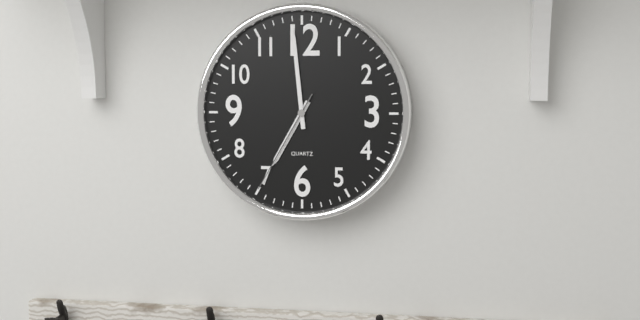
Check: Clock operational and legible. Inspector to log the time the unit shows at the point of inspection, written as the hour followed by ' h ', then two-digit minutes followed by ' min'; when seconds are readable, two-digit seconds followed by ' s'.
6 h 59 min 35 s
